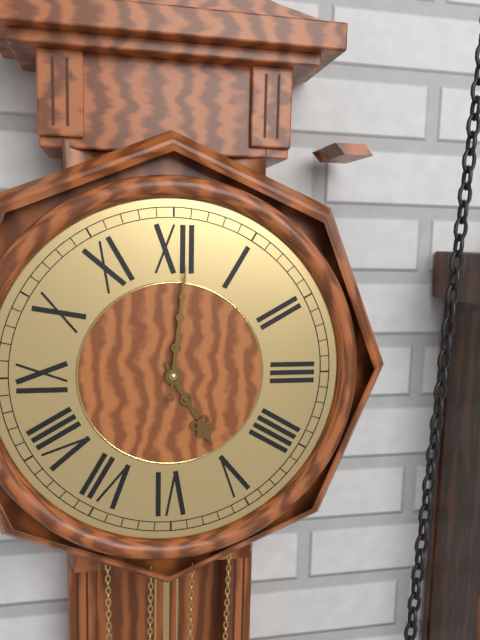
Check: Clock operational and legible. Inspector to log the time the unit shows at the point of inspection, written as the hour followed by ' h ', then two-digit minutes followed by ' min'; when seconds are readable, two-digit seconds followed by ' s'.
5 h 01 min
